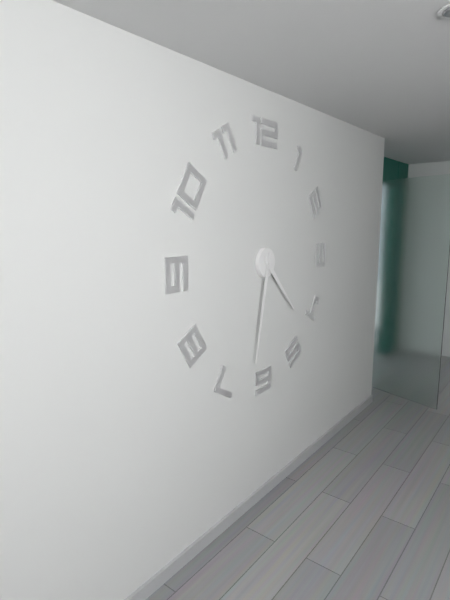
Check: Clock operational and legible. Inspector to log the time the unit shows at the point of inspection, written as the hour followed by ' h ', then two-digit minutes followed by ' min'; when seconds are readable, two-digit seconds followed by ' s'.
4 h 32 min
